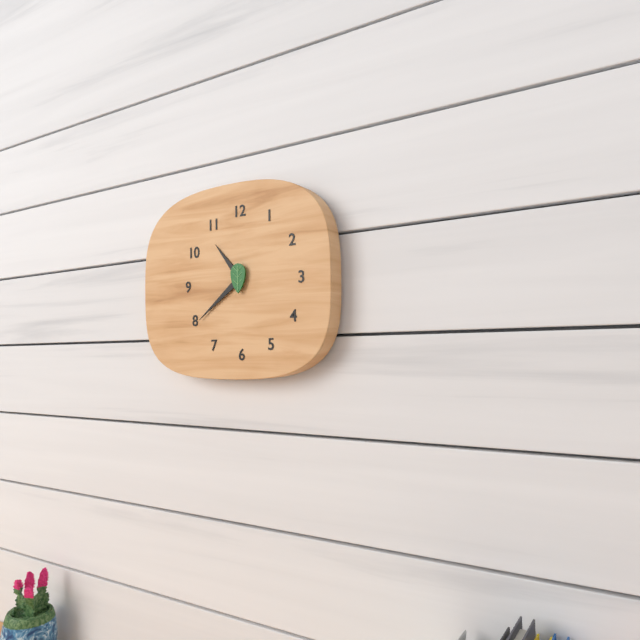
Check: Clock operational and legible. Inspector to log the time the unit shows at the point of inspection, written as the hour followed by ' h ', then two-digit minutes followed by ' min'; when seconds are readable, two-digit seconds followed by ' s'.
10 h 39 min
